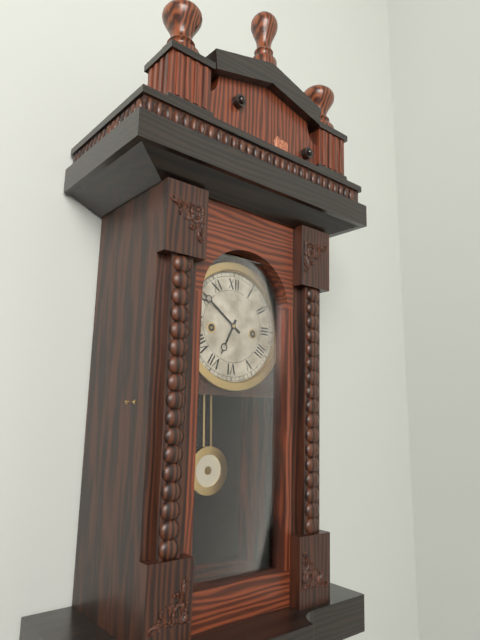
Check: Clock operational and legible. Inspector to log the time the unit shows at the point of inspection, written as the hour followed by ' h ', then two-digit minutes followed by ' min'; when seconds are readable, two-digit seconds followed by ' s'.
6 h 51 min
